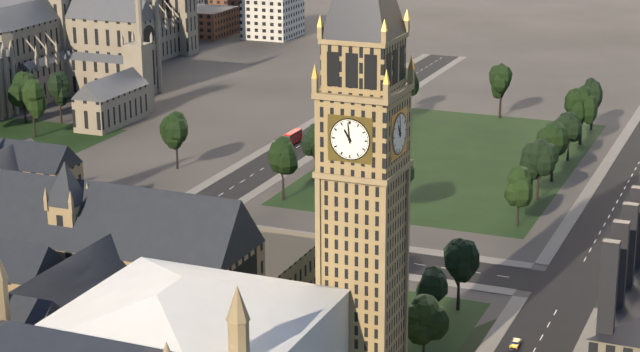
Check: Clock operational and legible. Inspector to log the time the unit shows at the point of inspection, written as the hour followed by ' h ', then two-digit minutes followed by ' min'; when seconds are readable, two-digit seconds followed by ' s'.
10 h 59 min
